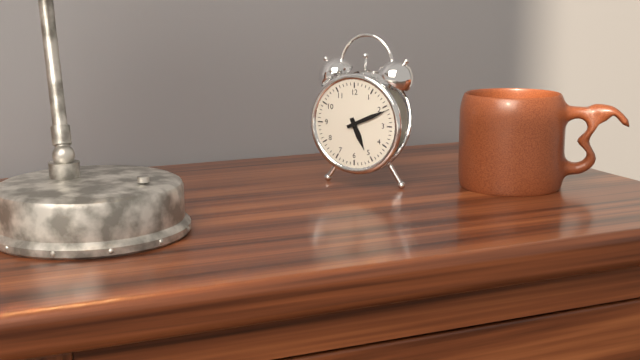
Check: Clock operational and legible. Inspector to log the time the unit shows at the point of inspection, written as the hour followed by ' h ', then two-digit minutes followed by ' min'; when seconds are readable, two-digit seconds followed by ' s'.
5 h 11 min
